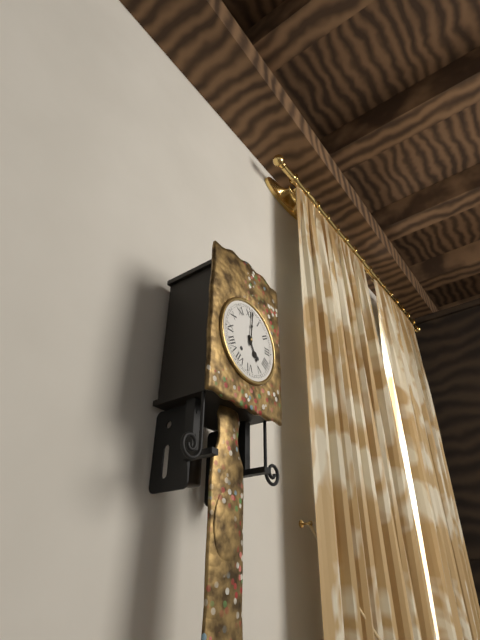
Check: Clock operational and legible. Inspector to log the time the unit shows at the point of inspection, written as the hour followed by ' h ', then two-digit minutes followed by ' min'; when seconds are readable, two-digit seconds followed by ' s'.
5 h 01 min
